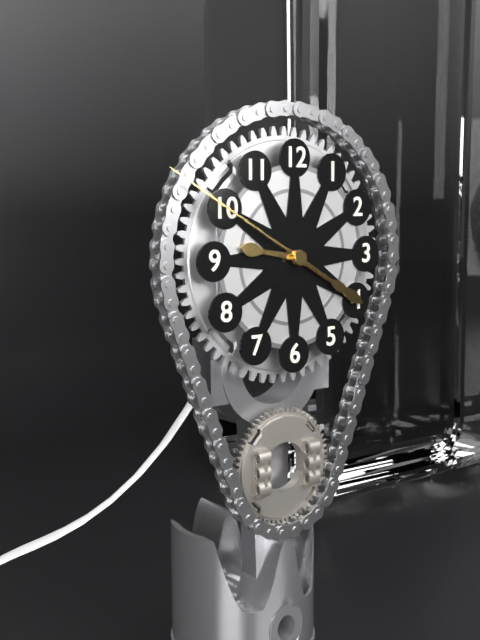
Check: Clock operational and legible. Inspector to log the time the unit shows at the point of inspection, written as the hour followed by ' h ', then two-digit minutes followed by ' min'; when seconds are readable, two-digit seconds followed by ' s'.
9 h 20 min 50 s
